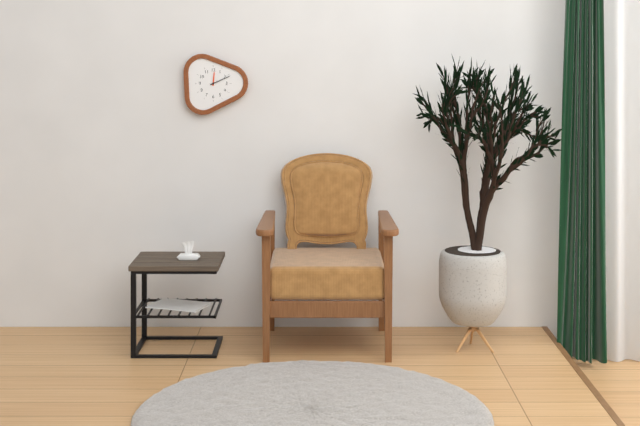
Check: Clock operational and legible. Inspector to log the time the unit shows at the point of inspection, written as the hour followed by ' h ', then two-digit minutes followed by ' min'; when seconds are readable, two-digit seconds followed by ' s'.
12 h 11 min
